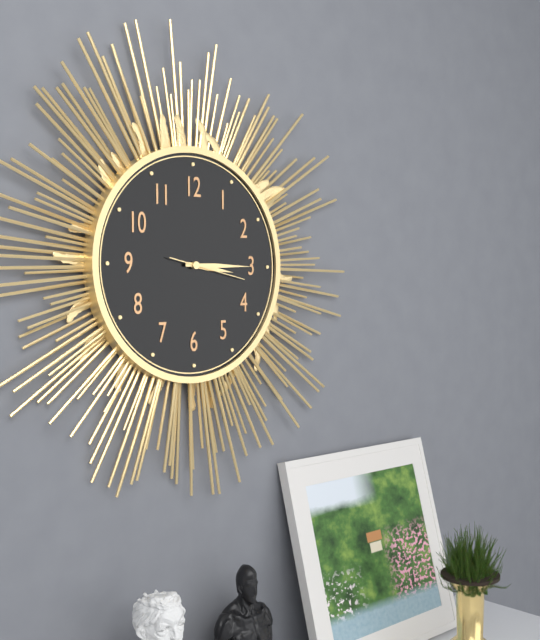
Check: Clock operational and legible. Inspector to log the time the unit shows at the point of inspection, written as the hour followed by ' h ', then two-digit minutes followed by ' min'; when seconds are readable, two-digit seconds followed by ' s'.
3 h 15 min 17 s
